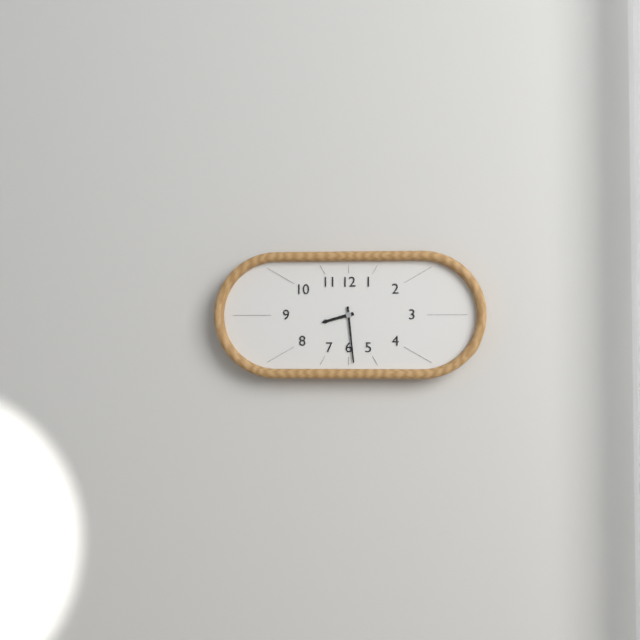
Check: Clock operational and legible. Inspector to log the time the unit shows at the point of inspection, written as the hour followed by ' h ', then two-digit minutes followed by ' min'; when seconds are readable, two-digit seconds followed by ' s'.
8 h 29 min
